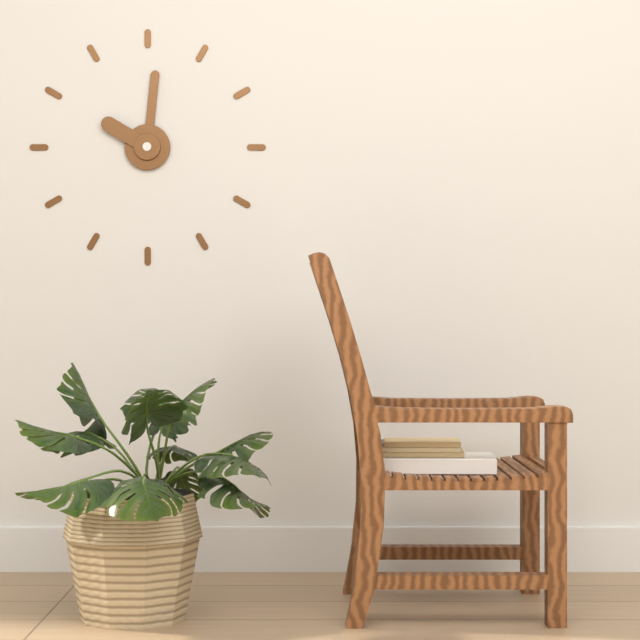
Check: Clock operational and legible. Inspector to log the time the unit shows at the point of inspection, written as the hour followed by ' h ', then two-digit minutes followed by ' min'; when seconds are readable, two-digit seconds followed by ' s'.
10 h 01 min
